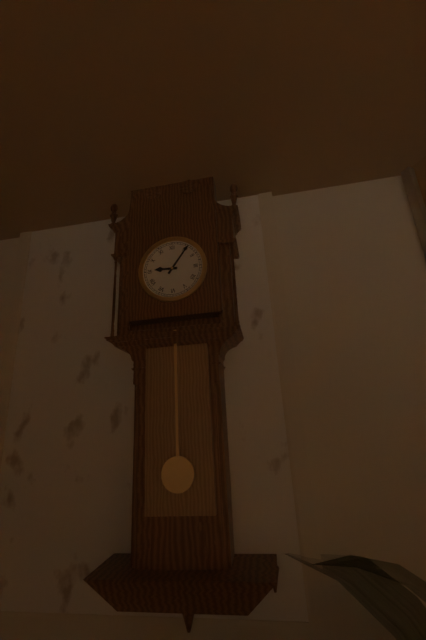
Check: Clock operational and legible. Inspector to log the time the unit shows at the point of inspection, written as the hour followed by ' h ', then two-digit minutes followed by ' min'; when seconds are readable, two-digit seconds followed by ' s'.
9 h 06 min
